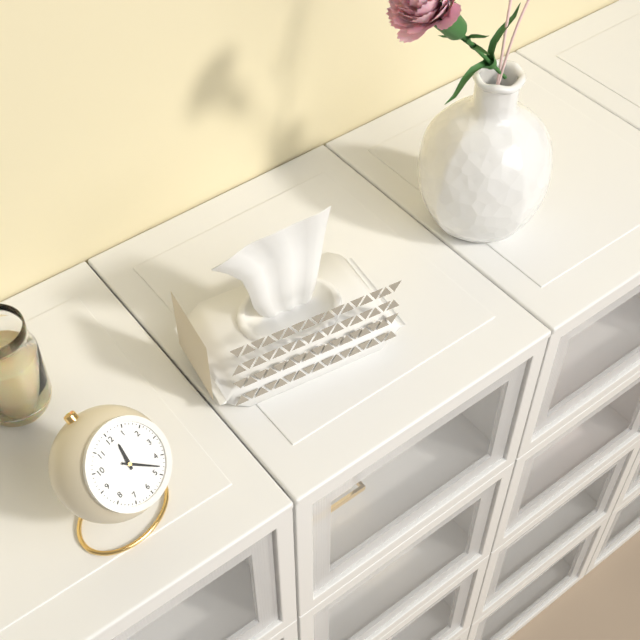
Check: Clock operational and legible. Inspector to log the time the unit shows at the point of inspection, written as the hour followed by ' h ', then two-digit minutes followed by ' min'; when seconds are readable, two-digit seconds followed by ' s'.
12 h 23 min
